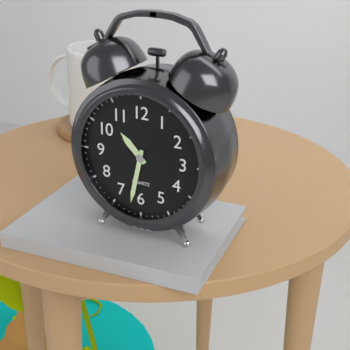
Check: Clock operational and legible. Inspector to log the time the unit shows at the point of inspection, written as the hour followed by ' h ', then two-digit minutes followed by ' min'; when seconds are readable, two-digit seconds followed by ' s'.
10 h 32 min
